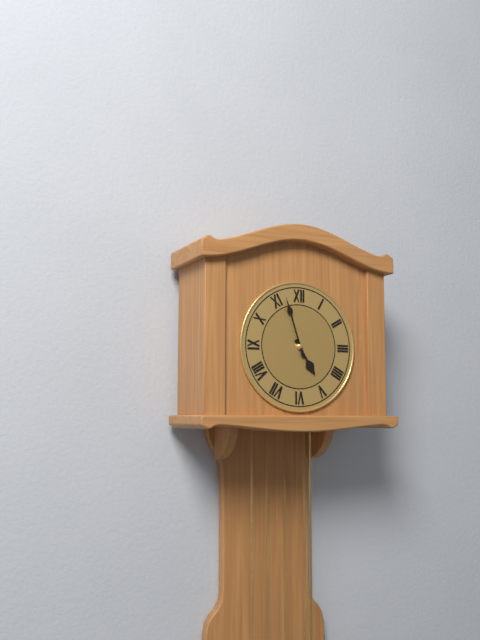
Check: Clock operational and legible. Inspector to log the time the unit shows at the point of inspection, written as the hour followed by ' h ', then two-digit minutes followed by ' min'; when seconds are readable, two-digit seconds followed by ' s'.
4 h 57 min
